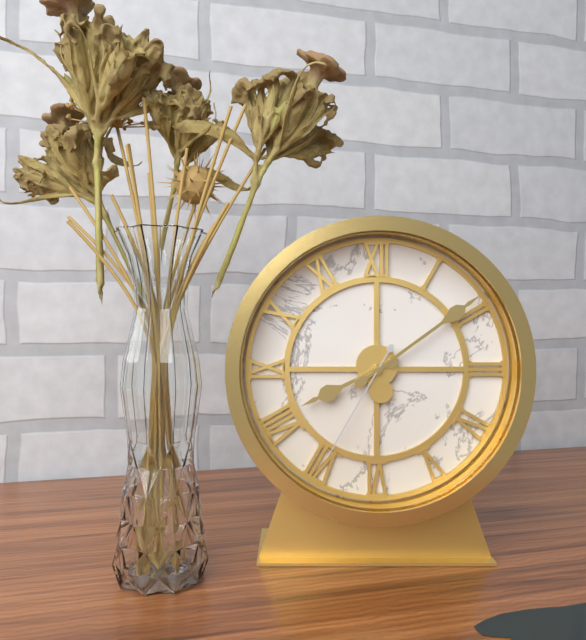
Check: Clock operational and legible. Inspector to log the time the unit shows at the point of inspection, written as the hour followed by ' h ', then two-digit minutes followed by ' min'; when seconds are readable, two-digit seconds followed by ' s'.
8 h 09 min 35 s
